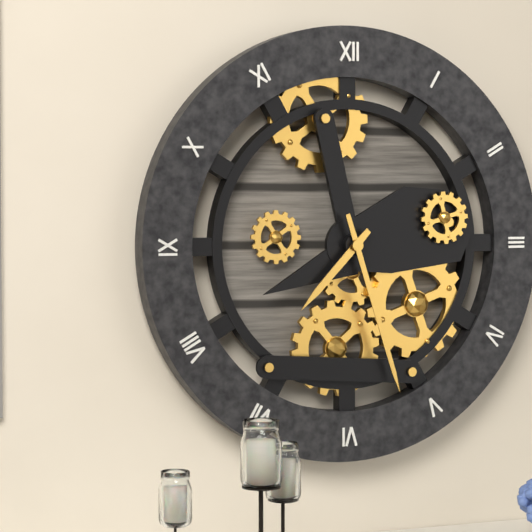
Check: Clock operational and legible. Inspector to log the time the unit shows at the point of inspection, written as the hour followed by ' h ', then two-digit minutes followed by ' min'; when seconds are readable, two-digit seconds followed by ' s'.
7 h 27 min
